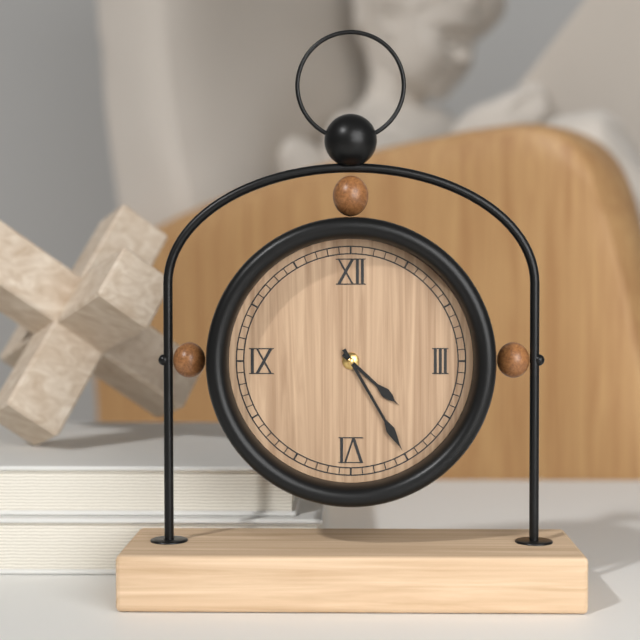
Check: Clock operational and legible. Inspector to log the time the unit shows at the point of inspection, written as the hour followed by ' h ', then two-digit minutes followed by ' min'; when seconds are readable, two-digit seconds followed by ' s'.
4 h 25 min
